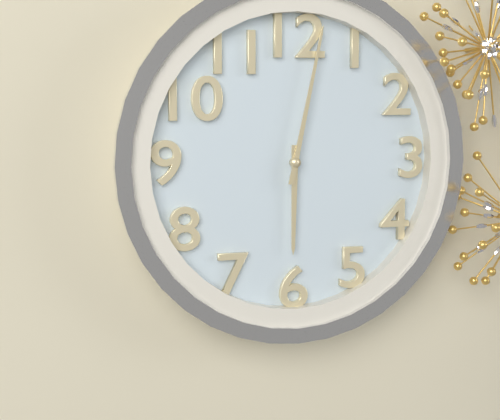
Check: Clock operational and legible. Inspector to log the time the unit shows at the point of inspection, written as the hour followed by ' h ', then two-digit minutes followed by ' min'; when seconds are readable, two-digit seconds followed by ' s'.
6 h 02 min
